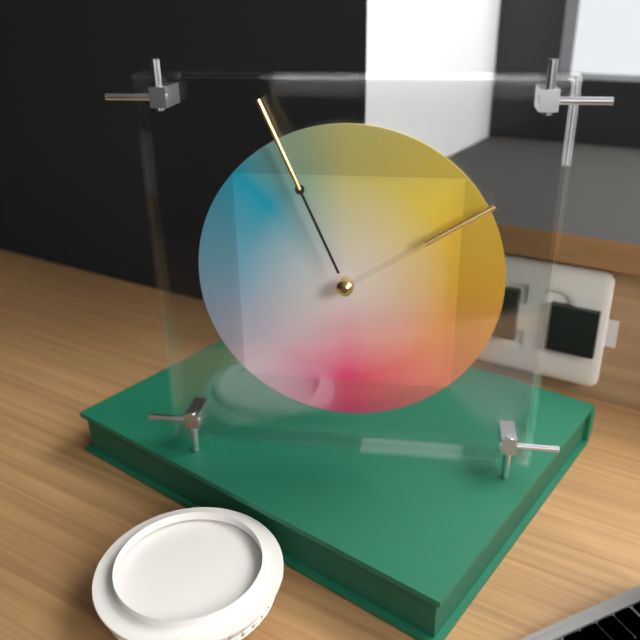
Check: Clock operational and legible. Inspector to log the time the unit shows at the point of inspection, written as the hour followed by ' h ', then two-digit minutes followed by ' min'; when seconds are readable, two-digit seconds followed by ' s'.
1 h 56 min
